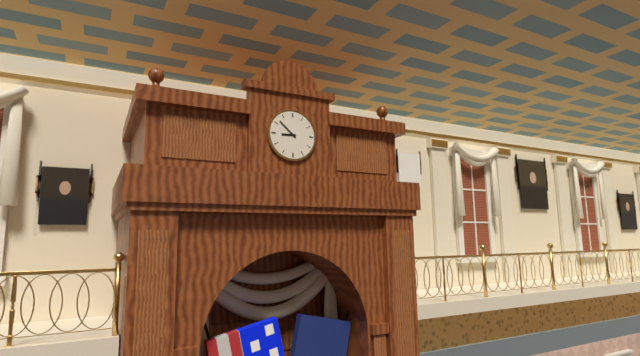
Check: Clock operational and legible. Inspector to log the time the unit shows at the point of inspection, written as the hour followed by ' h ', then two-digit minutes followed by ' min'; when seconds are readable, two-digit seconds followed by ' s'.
8 h 52 min
